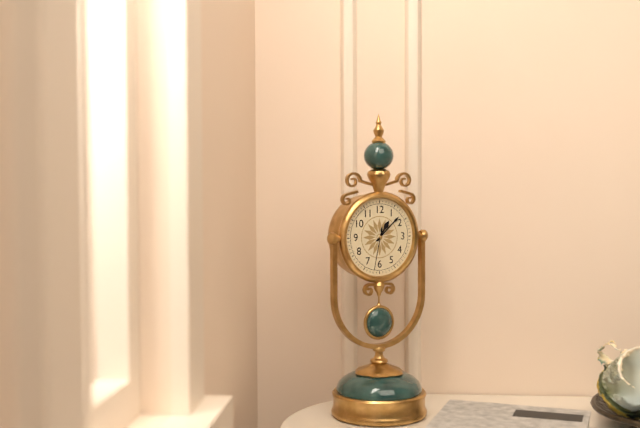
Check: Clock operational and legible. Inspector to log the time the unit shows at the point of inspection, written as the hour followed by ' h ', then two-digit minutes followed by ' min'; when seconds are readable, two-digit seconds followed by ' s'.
1 h 08 min
